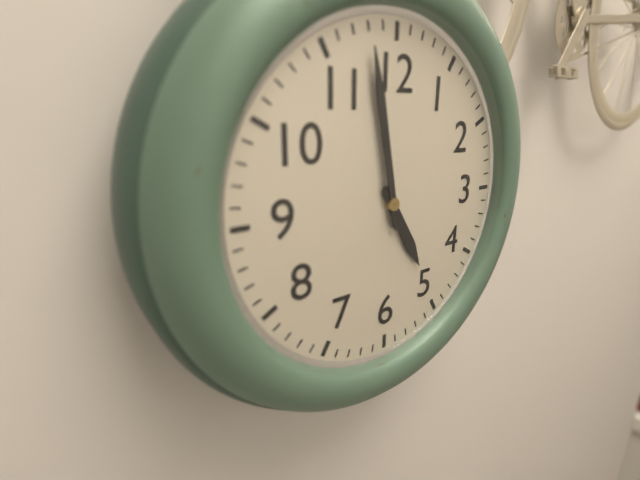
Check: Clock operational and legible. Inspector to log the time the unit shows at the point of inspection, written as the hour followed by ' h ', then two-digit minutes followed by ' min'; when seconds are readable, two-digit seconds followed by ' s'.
4 h 58 min
